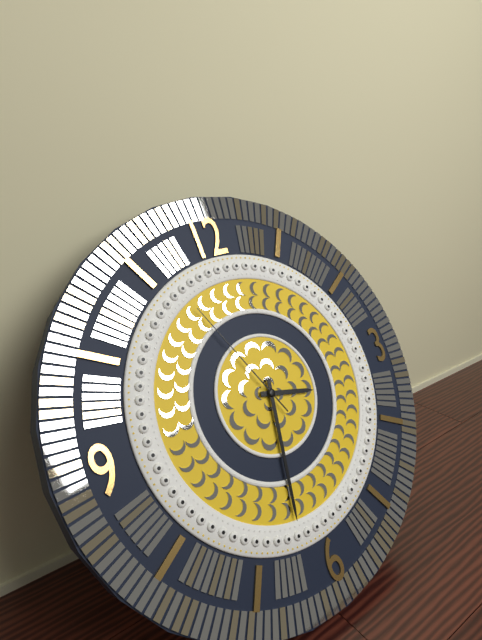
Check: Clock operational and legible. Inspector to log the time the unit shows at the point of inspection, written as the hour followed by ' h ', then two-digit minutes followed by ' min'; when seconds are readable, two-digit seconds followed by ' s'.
3 h 32 min 56 s
